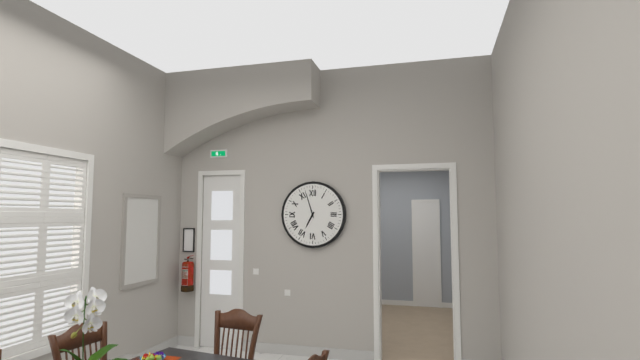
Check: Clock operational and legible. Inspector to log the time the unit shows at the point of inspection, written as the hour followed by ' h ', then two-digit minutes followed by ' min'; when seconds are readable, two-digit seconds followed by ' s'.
6 h 57 min
